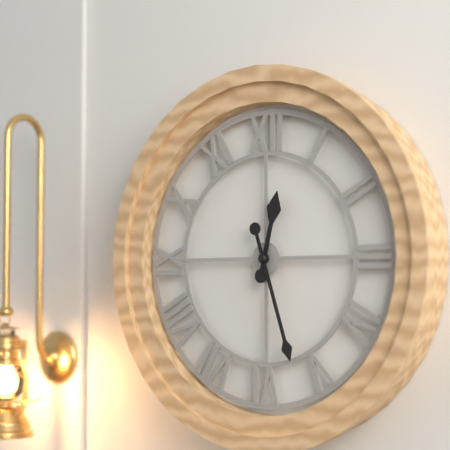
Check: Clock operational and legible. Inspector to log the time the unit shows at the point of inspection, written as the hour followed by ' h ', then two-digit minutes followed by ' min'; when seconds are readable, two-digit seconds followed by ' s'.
12 h 27 min
